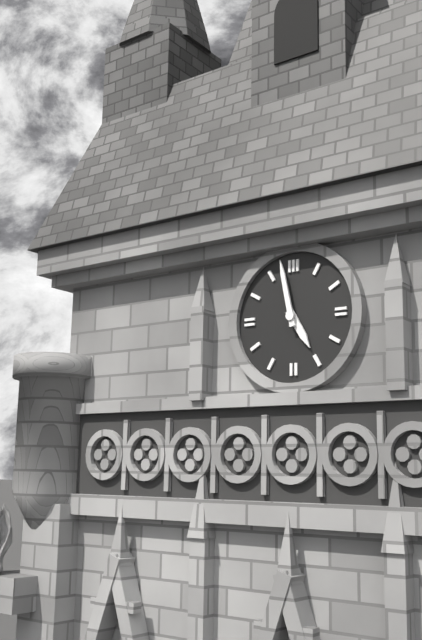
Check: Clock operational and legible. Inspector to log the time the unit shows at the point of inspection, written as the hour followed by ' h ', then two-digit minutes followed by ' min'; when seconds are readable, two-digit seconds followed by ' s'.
4 h 58 min
